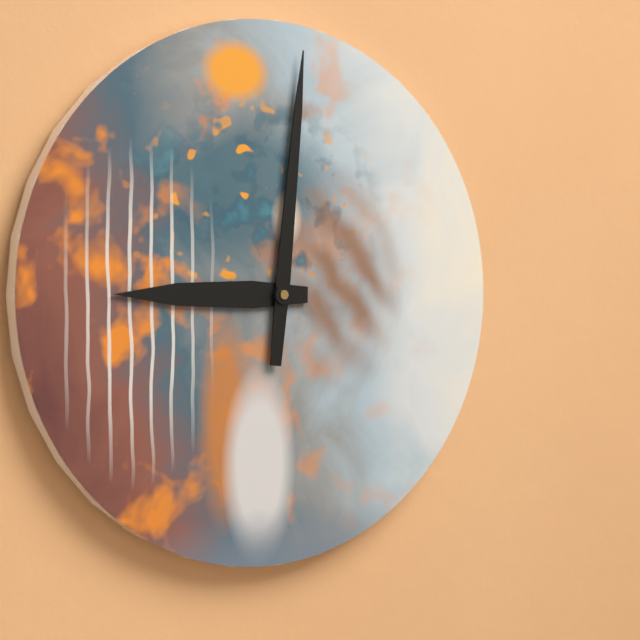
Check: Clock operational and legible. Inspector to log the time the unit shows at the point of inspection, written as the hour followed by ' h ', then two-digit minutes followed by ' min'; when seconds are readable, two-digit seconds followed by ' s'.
9 h 01 min
